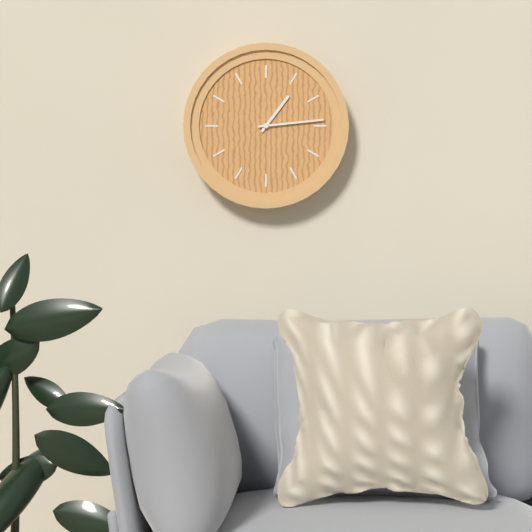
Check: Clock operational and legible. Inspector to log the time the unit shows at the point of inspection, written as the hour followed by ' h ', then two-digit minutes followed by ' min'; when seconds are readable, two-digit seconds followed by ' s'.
1 h 14 min
